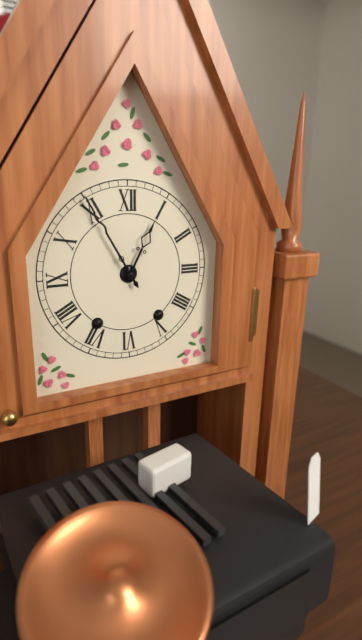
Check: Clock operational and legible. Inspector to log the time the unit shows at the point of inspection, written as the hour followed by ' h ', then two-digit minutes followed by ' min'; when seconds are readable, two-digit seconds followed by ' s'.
12 h 55 min
